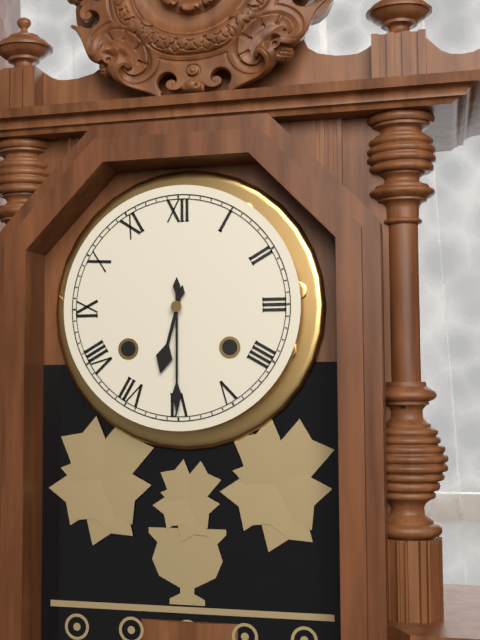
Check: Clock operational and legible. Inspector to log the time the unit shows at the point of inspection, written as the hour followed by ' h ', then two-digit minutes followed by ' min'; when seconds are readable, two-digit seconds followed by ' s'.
6 h 30 min
